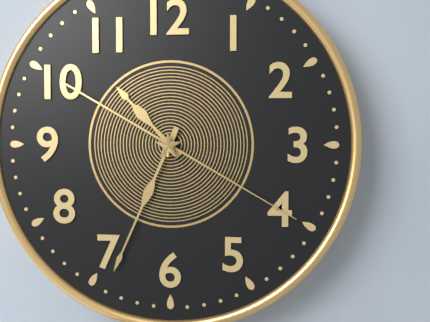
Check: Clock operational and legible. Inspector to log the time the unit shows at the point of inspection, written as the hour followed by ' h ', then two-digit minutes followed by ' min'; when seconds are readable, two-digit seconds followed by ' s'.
10 h 34 min 20 s
